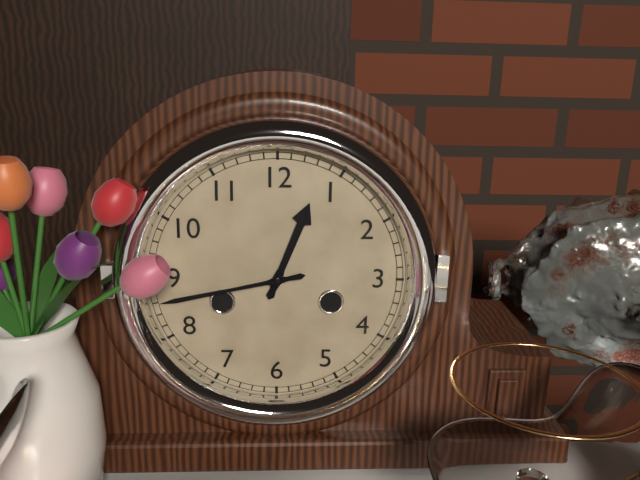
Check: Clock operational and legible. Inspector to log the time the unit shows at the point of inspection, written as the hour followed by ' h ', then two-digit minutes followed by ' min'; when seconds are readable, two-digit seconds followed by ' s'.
12 h 43 min
